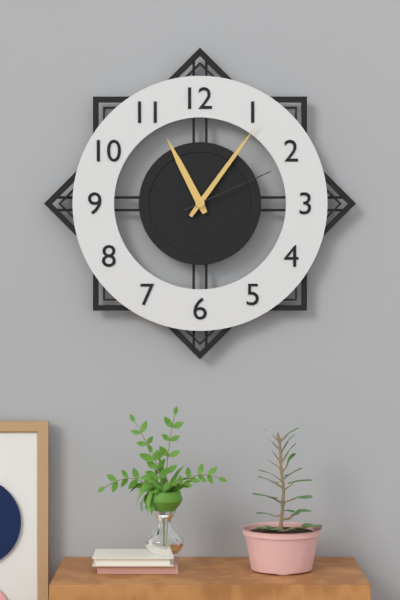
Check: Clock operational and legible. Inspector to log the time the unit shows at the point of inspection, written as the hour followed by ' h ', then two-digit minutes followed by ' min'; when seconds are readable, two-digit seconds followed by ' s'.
11 h 06 min 11 s
